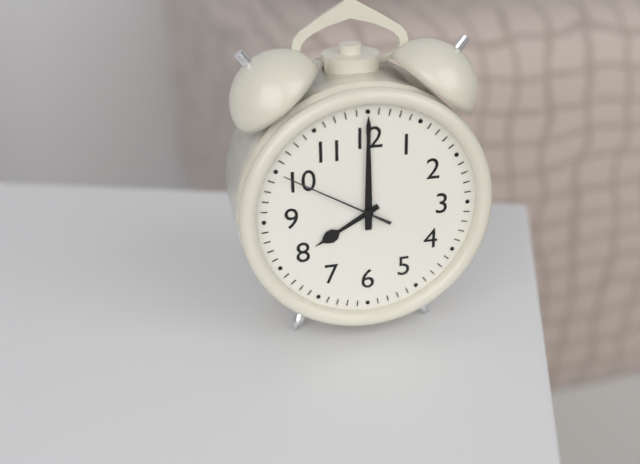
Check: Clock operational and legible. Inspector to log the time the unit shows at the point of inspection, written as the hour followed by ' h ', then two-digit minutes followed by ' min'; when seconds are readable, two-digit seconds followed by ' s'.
8 h 00 min 50 s
